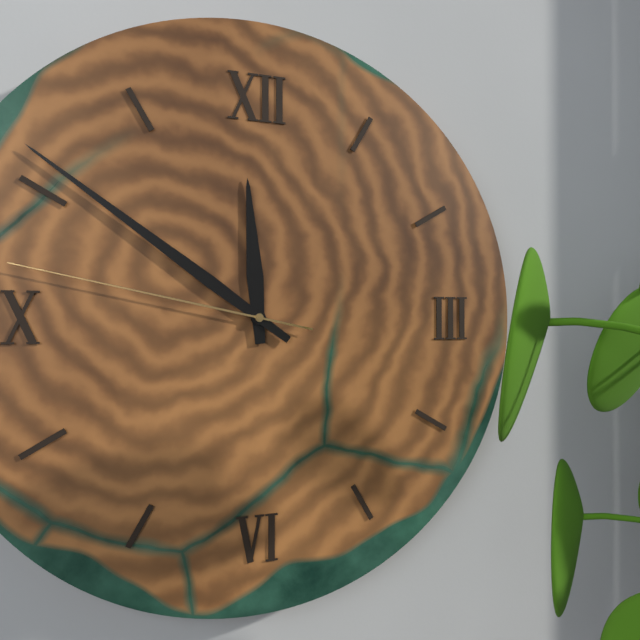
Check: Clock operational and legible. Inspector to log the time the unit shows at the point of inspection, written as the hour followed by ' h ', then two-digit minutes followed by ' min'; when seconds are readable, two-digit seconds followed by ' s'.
11 h 51 min 47 s
